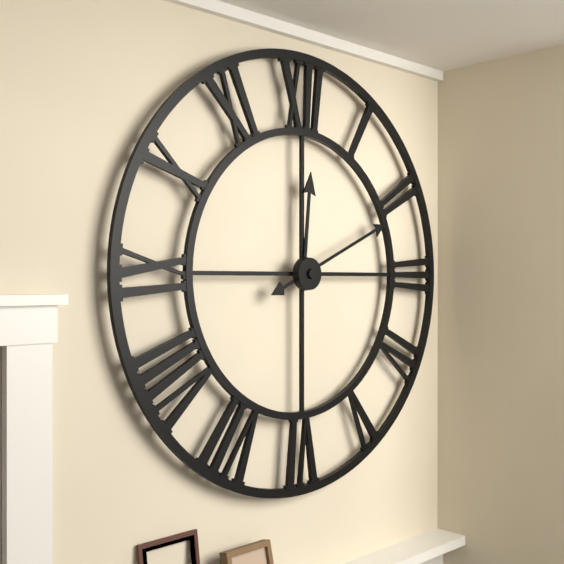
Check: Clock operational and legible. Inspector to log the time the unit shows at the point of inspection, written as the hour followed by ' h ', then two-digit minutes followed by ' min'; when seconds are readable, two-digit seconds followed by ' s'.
12 h 11 min
